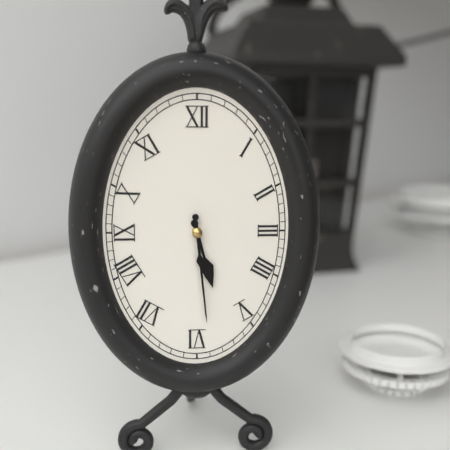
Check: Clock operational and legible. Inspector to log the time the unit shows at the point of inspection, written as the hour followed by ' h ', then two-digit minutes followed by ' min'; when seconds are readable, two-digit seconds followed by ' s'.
5 h 29 min
